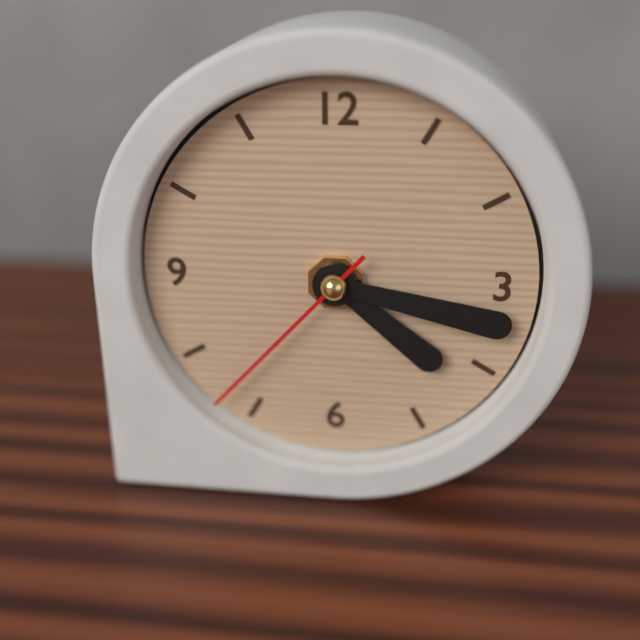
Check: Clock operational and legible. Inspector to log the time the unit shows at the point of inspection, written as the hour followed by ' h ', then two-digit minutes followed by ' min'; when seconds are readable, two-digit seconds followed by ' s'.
4 h 17 min 37 s
